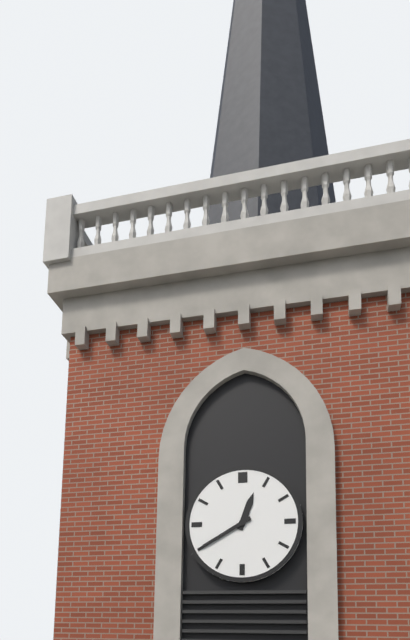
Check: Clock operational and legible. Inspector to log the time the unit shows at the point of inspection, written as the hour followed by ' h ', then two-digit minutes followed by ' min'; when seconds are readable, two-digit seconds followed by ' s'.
12 h 40 min
